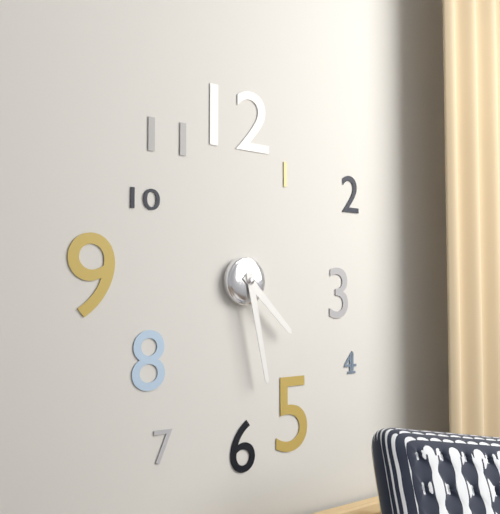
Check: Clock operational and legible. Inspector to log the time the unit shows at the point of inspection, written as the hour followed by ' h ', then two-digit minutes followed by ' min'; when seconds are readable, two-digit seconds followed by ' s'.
4 h 28 min
